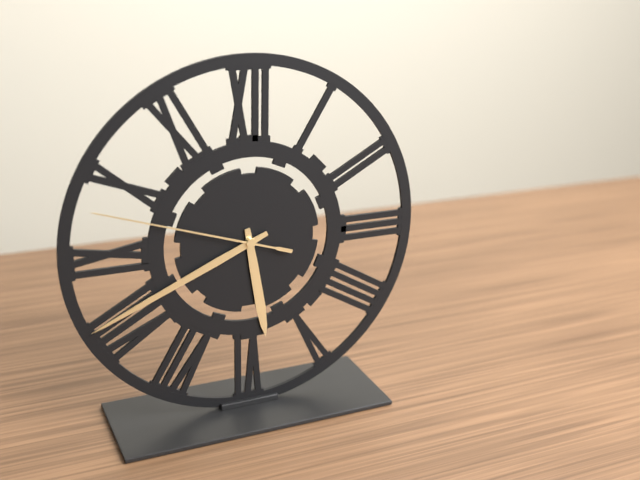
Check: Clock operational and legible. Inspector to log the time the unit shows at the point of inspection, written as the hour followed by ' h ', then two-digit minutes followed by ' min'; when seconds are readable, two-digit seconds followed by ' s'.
5 h 41 min 48 s
